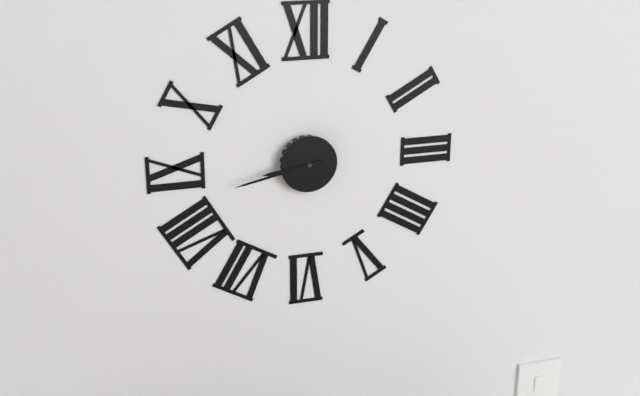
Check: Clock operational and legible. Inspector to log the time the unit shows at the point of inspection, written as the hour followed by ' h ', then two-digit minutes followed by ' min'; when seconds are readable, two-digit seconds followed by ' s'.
8 h 43 min
